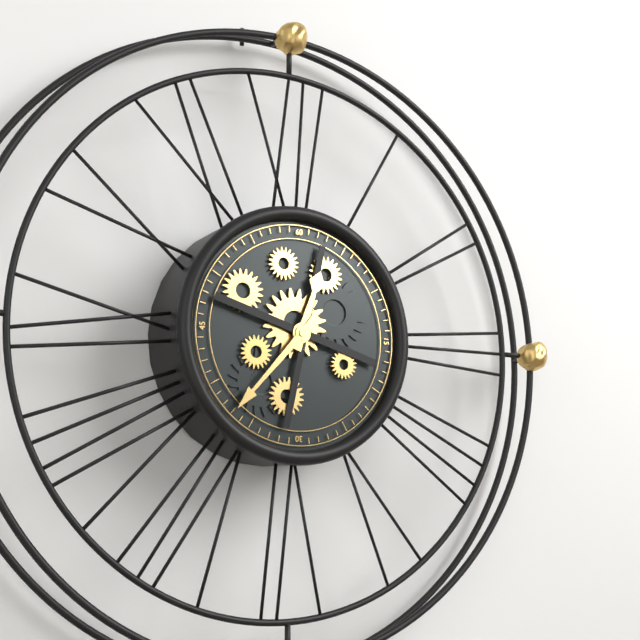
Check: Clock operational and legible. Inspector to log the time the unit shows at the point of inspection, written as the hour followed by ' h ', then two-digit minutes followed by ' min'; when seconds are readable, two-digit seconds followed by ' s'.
12 h 37 min
